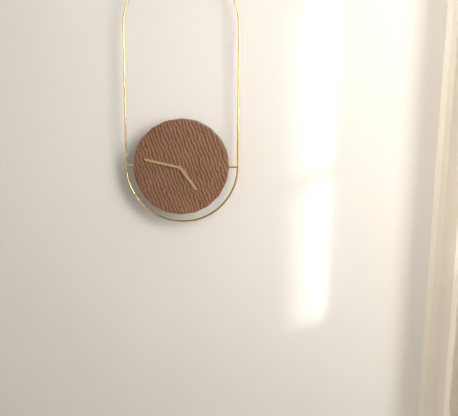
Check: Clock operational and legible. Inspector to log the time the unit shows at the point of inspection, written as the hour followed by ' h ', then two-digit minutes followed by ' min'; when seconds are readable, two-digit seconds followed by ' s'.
4 h 47 min
